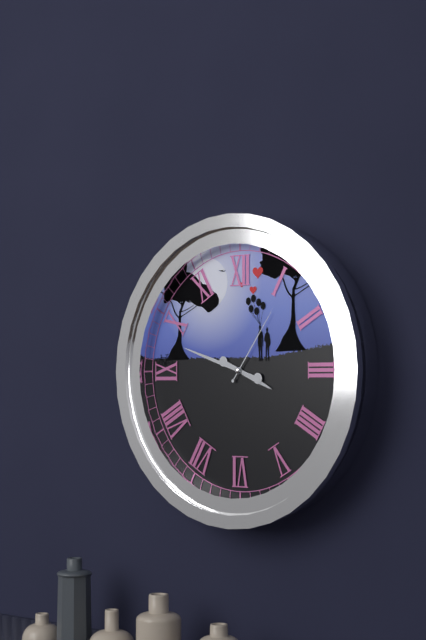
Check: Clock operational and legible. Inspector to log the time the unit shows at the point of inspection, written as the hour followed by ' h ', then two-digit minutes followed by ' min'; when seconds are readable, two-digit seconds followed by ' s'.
3 h 48 min 06 s
